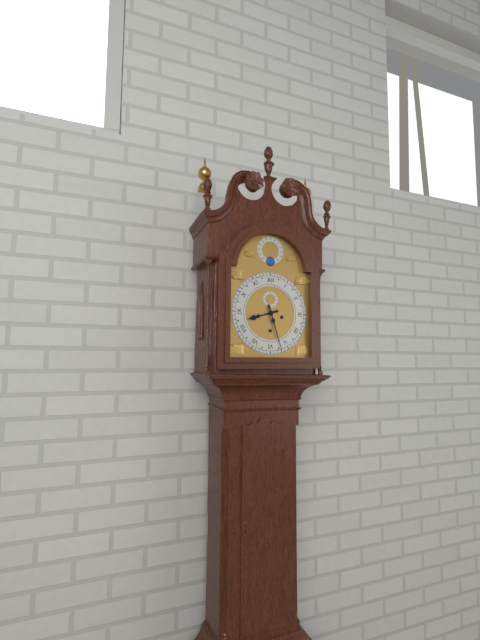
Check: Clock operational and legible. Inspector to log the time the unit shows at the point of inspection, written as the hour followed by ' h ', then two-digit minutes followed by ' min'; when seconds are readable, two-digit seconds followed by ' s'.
8 h 27 min
